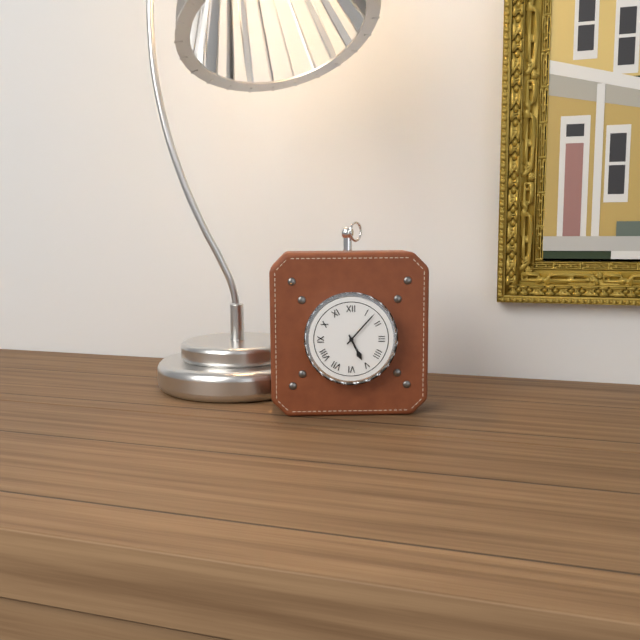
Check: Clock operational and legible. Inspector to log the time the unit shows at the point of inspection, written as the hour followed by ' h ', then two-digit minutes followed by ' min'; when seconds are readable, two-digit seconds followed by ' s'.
5 h 07 min
